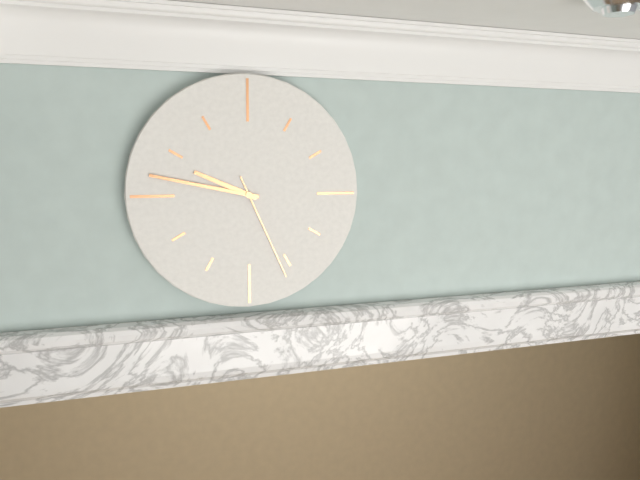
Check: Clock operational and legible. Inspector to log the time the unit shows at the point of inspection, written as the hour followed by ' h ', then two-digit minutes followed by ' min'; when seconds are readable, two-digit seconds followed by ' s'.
9 h 47 min 26 s
